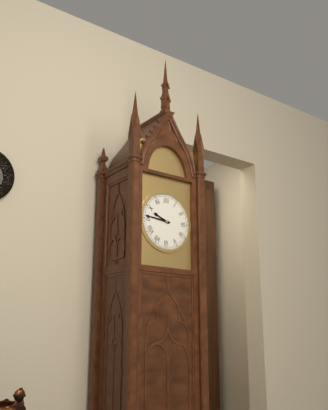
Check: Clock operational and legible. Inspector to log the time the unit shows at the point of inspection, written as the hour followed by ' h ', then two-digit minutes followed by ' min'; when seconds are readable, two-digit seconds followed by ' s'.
9 h 46 min
